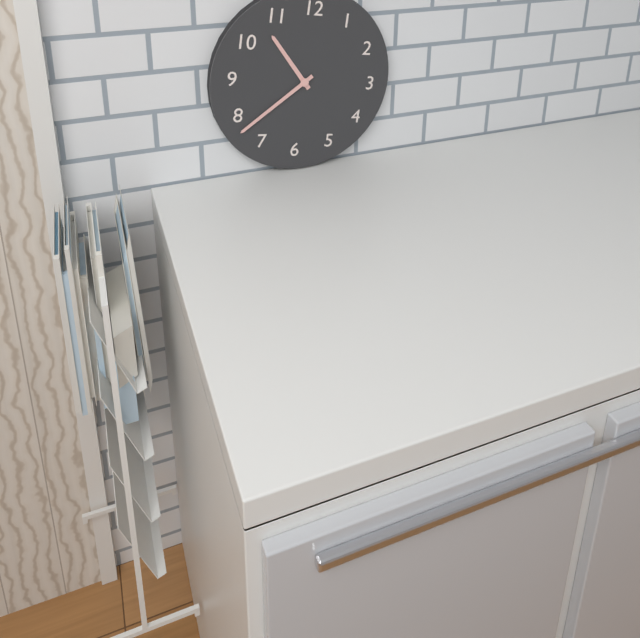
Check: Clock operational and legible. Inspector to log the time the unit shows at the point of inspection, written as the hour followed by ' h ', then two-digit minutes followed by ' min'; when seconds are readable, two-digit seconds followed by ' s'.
10 h 38 min
